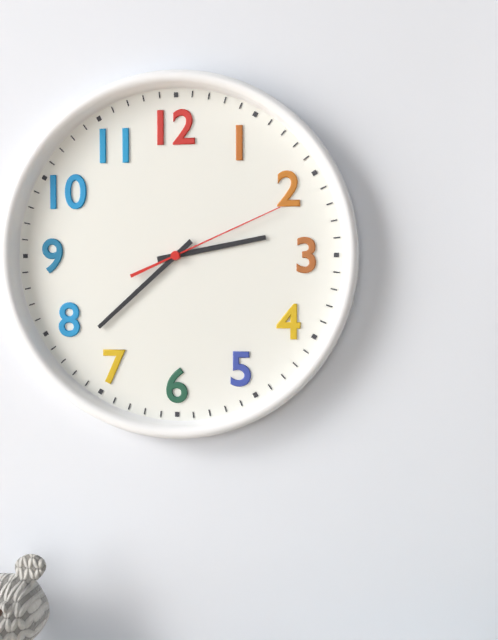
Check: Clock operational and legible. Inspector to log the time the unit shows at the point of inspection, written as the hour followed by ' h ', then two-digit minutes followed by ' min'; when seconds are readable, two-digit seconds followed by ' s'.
2 h 38 min 11 s
